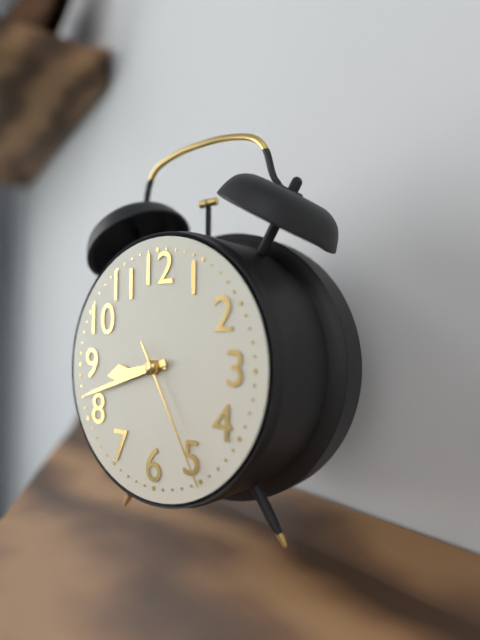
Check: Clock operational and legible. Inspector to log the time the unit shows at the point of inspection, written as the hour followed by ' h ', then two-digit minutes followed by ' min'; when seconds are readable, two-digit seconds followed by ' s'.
8 h 42 min 25 s
